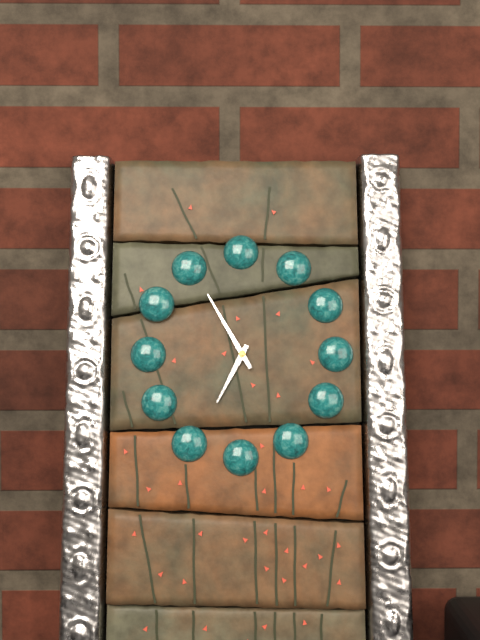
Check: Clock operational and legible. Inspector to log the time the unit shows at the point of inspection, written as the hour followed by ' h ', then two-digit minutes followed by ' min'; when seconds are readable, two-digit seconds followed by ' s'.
6 h 55 min
